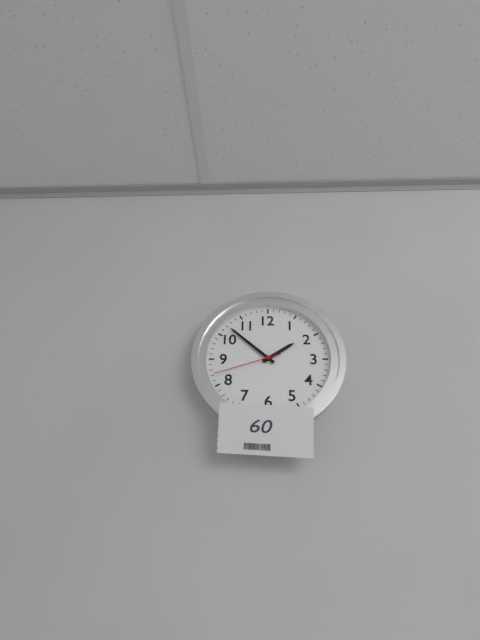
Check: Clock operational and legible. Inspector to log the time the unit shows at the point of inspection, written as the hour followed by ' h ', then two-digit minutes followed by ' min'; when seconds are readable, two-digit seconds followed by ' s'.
1 h 52 min 42 s
